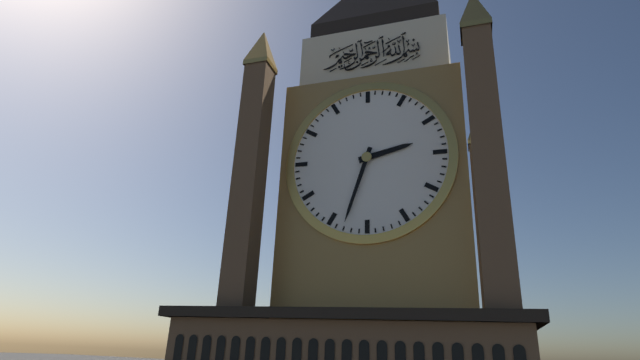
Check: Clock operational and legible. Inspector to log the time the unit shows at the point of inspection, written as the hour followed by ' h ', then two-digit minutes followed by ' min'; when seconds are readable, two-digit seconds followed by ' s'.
2 h 33 min
